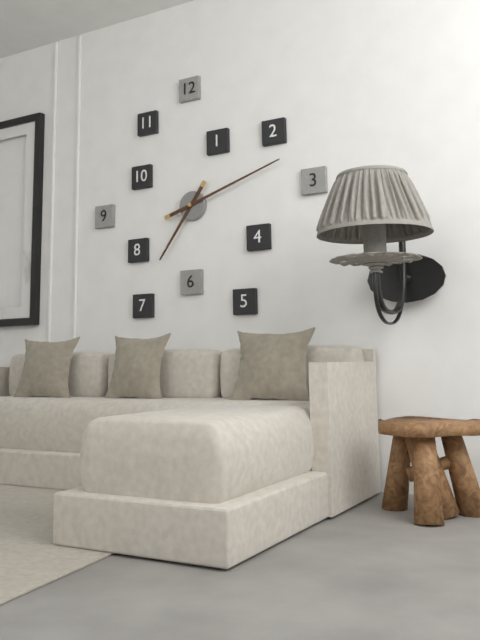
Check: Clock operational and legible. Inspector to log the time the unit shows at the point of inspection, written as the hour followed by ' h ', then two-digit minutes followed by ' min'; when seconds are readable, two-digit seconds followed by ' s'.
7 h 12 min
